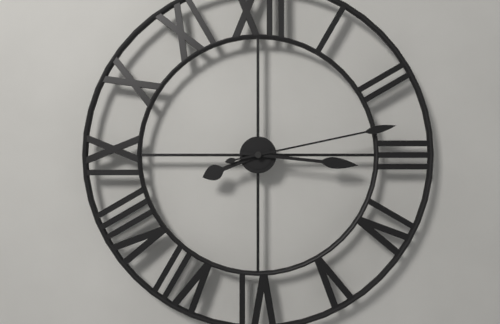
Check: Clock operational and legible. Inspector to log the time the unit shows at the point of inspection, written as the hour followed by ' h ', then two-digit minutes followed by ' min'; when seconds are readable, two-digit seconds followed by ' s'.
8 h 16 min 13 s
